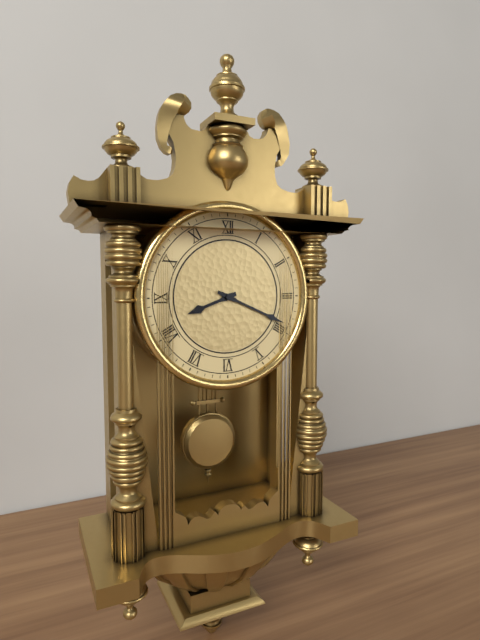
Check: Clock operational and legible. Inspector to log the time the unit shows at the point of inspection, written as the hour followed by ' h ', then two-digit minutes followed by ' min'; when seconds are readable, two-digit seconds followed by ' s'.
8 h 19 min
